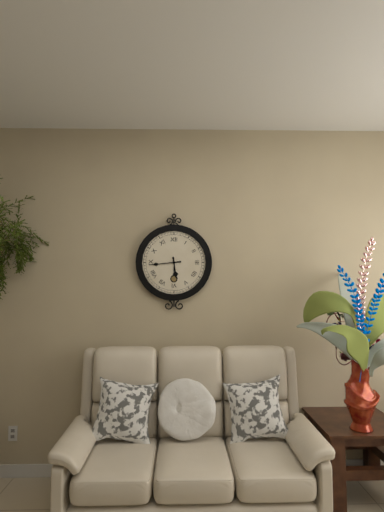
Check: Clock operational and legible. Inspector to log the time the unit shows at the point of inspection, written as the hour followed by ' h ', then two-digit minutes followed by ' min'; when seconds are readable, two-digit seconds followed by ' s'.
5 h 44 min
